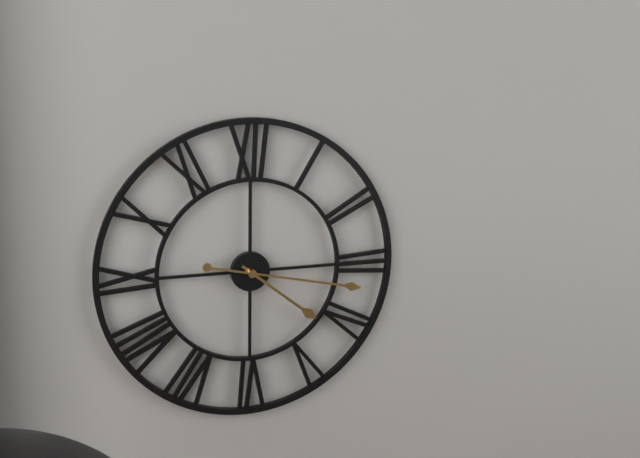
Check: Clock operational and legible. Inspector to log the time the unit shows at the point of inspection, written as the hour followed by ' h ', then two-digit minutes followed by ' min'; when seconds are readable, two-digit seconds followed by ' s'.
4 h 17 min
